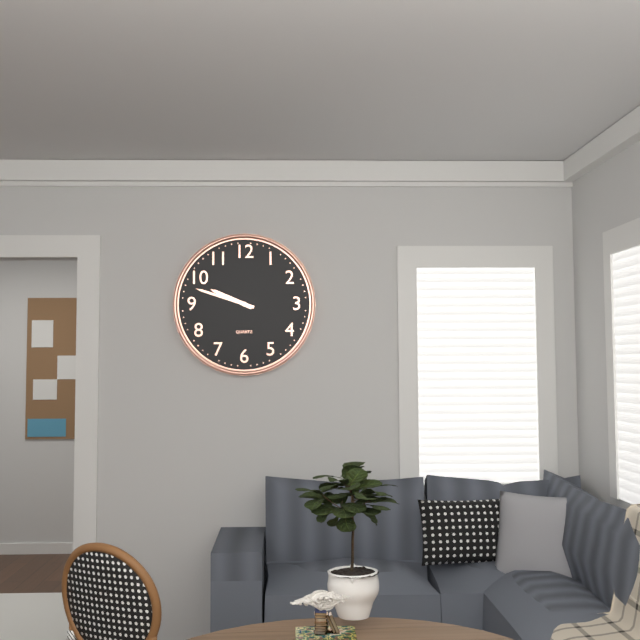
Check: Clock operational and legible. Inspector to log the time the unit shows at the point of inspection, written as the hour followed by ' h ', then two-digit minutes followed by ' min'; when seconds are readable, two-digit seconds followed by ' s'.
9 h 48 min
